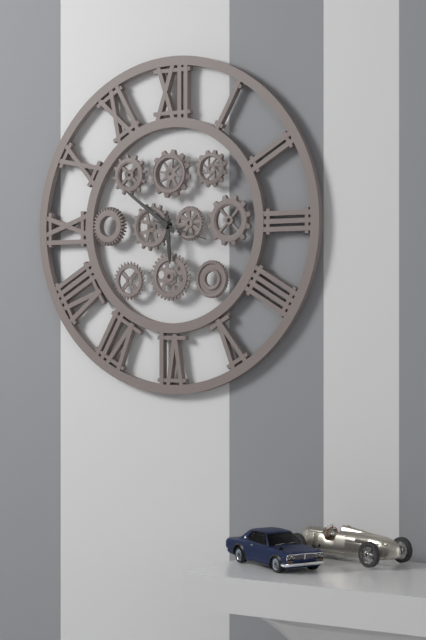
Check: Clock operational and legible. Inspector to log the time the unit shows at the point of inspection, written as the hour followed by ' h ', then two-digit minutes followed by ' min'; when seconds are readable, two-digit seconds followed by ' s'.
5 h 51 min
